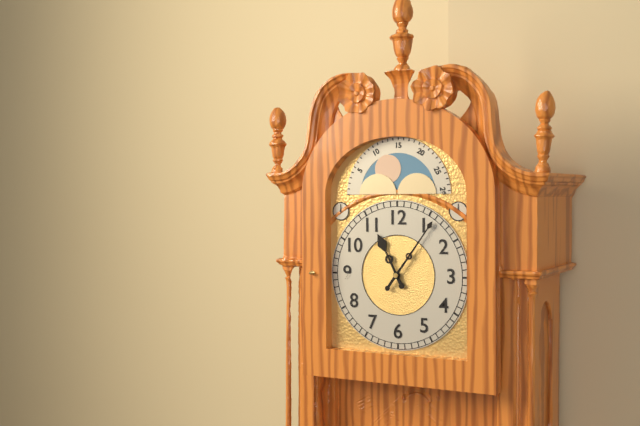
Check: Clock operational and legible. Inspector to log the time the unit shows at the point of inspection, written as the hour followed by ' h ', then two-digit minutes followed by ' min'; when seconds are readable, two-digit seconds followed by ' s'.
11 h 06 min
